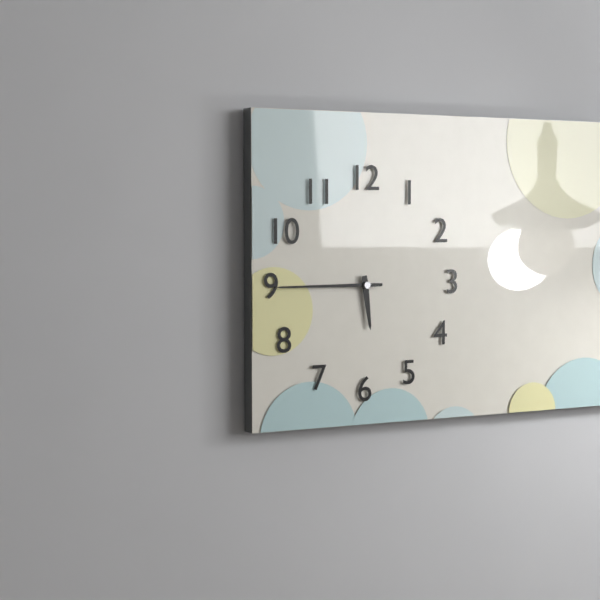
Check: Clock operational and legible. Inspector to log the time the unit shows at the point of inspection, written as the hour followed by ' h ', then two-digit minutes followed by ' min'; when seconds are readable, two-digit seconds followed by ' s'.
5 h 45 min
